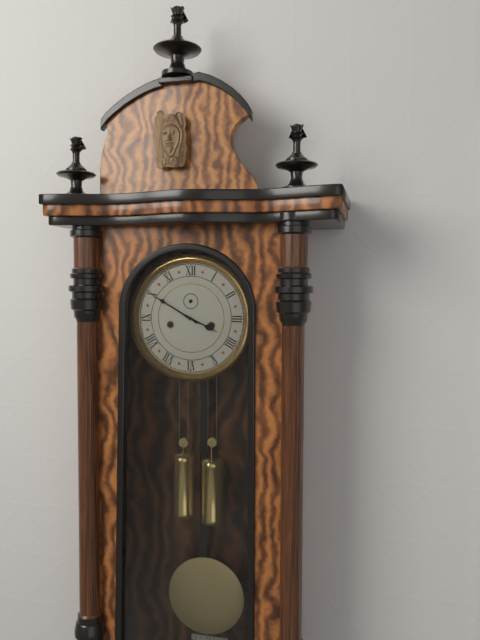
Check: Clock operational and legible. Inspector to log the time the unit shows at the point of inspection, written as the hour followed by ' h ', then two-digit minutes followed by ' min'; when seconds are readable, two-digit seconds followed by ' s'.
3 h 50 min
